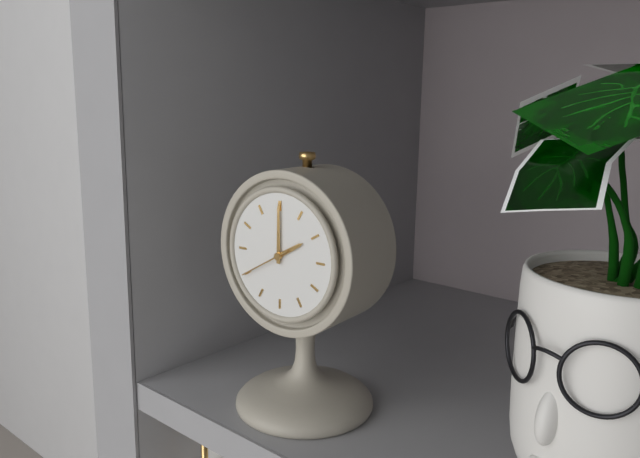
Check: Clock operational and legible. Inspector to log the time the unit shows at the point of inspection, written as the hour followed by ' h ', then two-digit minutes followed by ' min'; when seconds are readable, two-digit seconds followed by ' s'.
2 h 00 min 40 s
